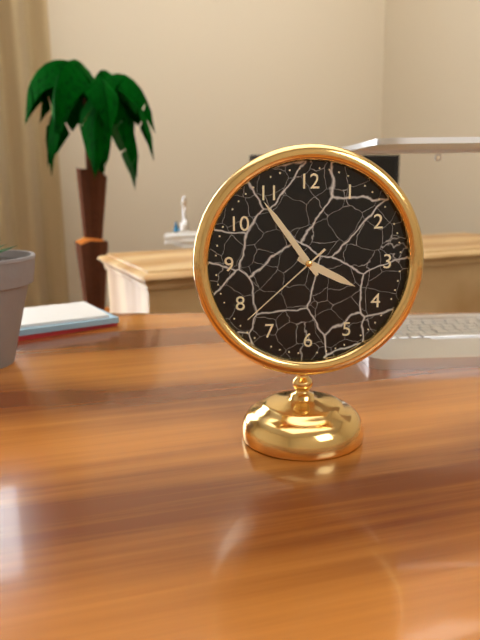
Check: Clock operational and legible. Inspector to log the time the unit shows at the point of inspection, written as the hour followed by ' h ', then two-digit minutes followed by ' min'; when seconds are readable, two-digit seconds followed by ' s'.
3 h 54 min 38 s
